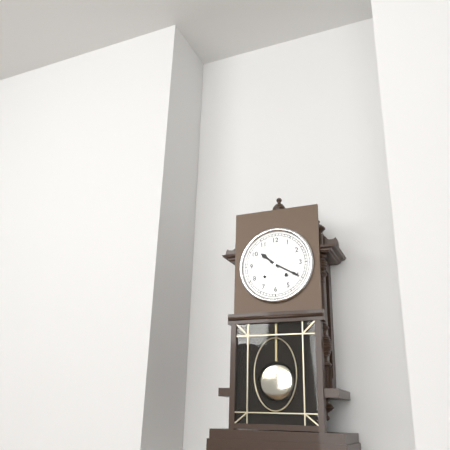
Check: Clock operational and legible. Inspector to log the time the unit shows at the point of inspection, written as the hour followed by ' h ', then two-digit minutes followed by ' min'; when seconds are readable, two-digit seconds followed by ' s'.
10 h 20 min
